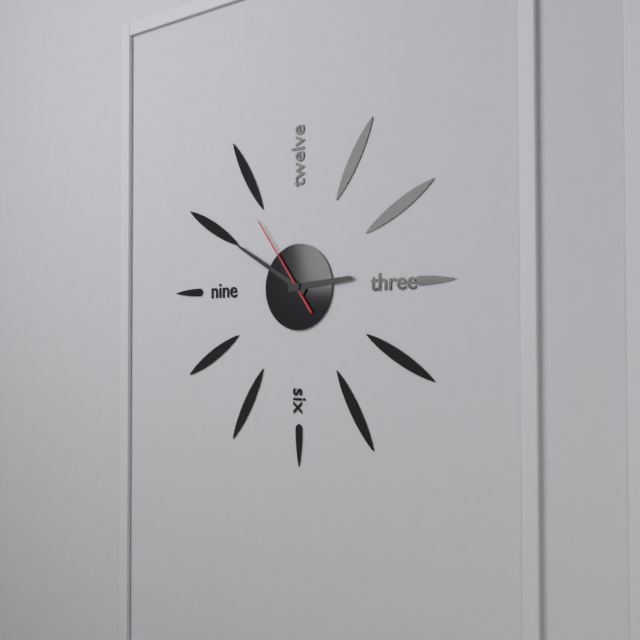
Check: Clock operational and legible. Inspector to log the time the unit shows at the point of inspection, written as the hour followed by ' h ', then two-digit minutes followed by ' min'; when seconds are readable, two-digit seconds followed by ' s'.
2 h 50 min 54 s
